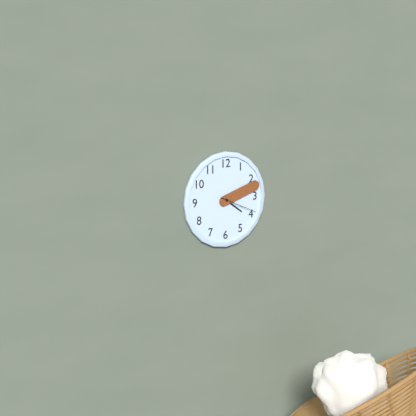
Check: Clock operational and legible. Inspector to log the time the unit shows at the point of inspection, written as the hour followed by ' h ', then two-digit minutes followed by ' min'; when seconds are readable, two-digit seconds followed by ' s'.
4 h 12 min
